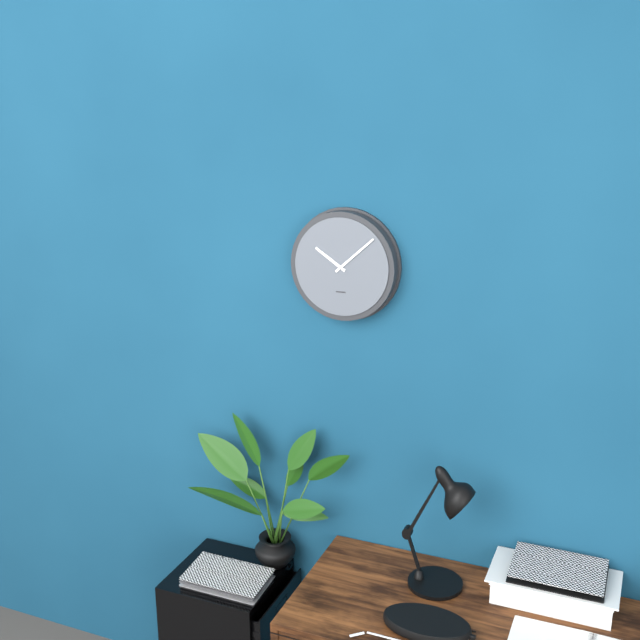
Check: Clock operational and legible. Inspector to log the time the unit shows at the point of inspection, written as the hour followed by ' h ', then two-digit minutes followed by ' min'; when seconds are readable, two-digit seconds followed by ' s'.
10 h 08 min
